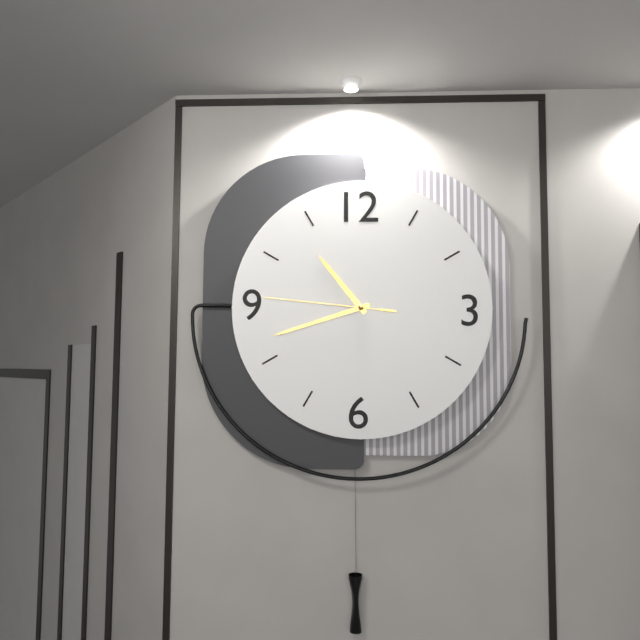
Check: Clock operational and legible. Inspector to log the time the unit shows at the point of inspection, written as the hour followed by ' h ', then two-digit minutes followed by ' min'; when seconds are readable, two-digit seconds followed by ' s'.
10 h 42 min 46 s
